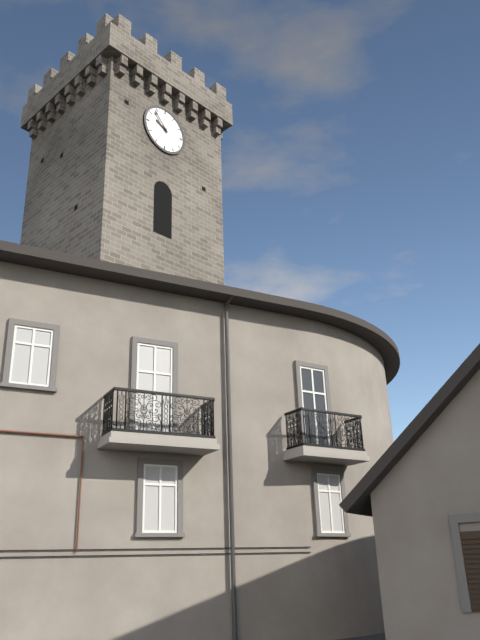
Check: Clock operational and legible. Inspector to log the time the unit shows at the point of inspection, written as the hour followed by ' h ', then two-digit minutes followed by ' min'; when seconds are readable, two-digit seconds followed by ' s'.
9 h 53 min
